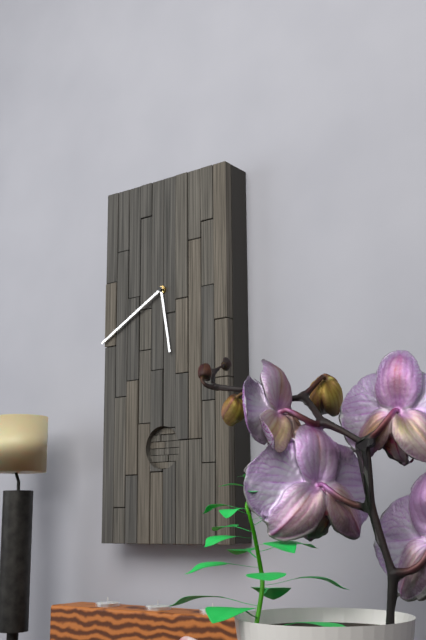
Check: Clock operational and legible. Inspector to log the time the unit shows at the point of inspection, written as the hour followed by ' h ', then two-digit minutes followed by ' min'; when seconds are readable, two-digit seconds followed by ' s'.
5 h 40 min
